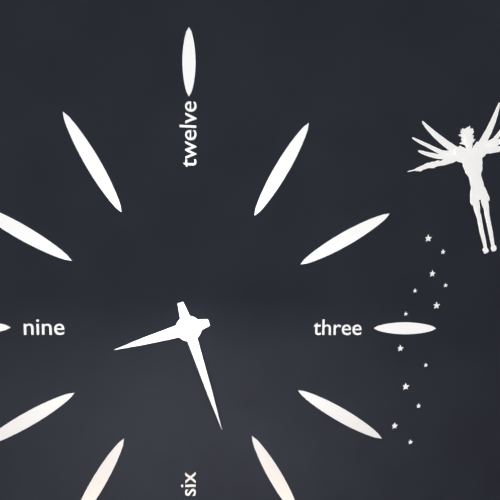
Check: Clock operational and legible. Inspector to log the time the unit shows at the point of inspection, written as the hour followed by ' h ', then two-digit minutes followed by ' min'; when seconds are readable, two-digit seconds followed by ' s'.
8 h 27 min
